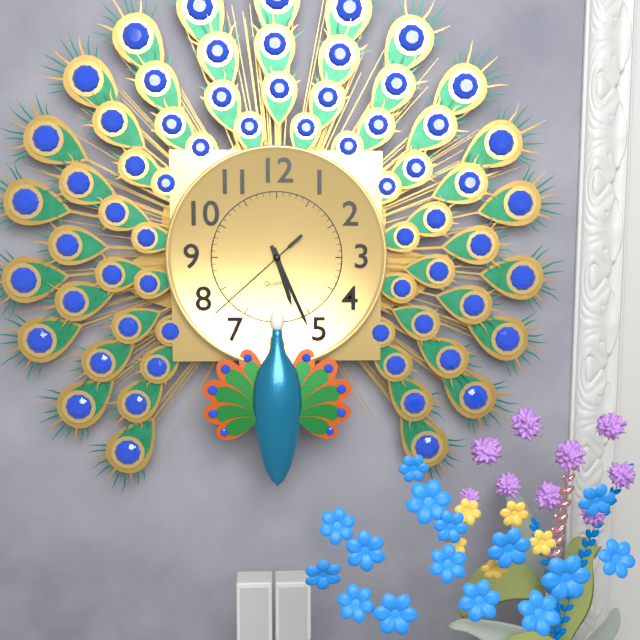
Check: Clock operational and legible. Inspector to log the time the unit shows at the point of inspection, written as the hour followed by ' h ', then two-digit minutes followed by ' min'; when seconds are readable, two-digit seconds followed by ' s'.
5 h 26 min 38 s
